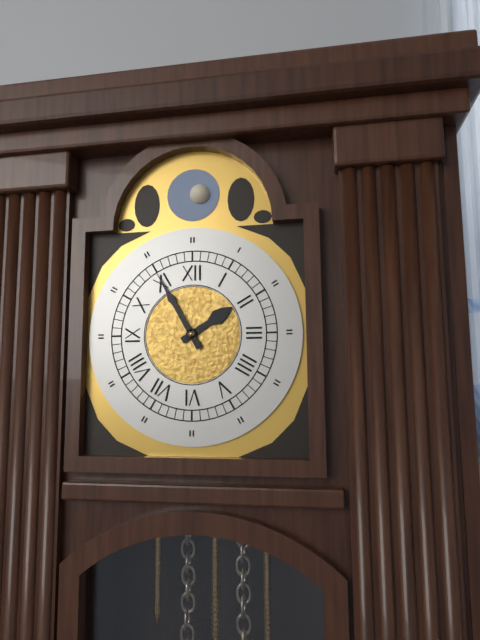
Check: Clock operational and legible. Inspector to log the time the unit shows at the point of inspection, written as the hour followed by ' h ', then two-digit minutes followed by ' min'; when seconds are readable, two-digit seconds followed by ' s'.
1 h 55 min
